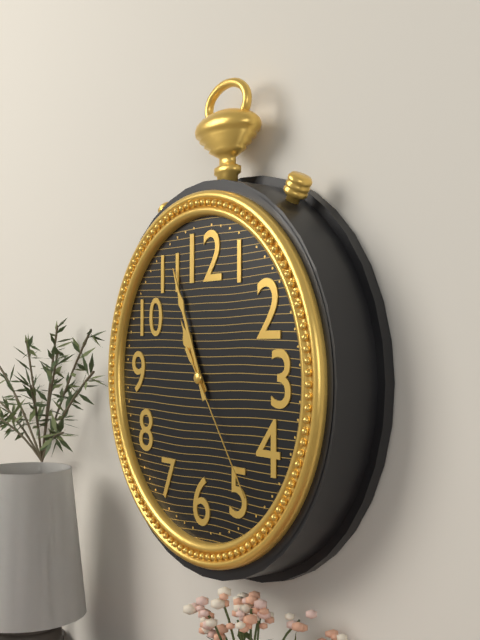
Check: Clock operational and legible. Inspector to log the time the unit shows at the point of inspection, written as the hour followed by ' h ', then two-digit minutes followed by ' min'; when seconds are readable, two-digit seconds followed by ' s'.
10 h 56 min 24 s
